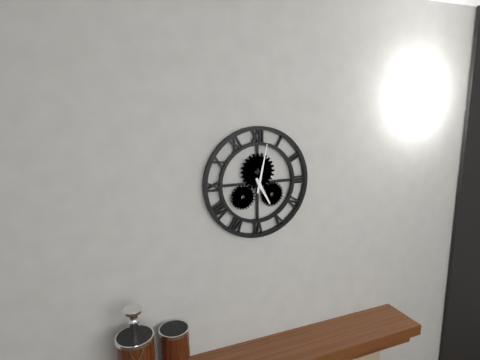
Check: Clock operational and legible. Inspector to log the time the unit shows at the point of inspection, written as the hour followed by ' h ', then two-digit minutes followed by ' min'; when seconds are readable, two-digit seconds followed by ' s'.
5 h 02 min
